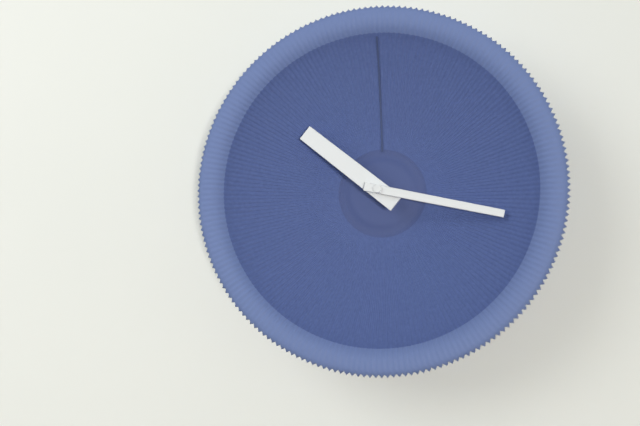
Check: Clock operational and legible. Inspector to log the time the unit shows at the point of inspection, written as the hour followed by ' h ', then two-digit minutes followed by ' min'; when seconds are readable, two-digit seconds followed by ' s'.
10 h 17 min
